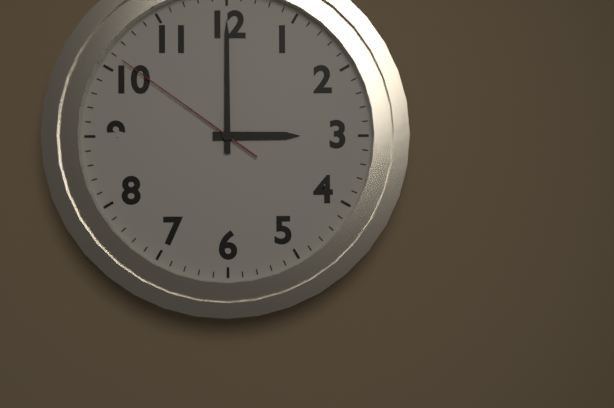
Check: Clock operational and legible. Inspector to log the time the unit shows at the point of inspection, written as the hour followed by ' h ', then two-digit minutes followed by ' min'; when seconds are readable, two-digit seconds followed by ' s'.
3 h 00 min 51 s
